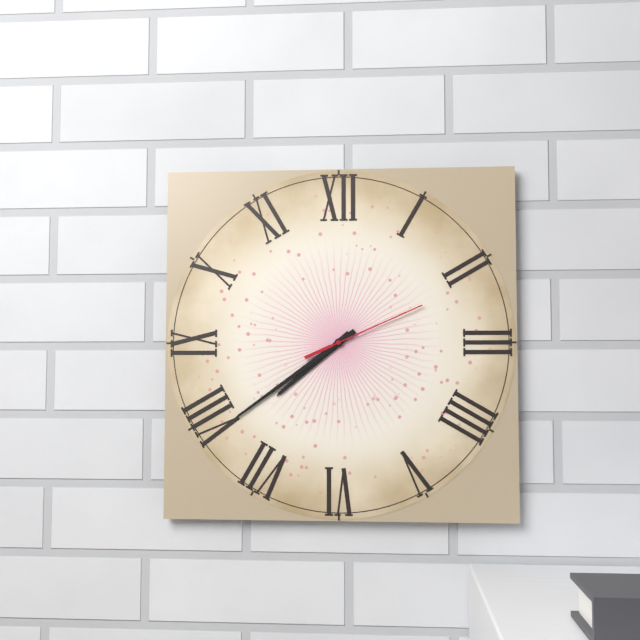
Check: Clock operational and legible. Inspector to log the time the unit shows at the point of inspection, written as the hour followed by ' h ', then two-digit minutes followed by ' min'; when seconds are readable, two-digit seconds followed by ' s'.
7 h 39 min 11 s
